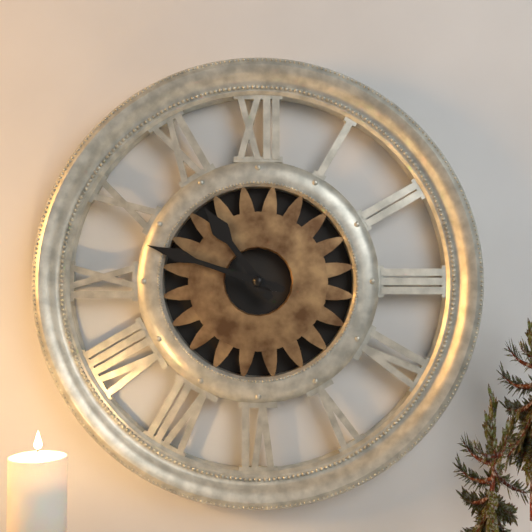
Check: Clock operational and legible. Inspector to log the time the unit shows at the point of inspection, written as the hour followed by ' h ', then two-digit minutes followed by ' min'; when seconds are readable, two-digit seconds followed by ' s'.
10 h 48 min
